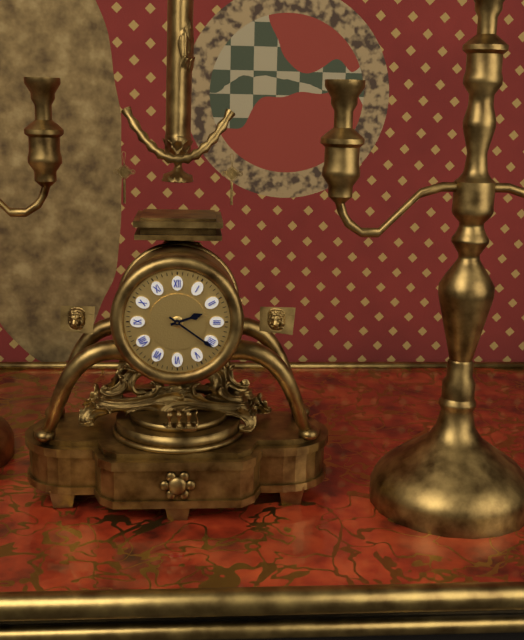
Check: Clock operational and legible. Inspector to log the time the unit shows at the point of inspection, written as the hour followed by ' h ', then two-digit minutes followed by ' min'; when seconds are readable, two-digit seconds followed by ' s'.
2 h 21 min
